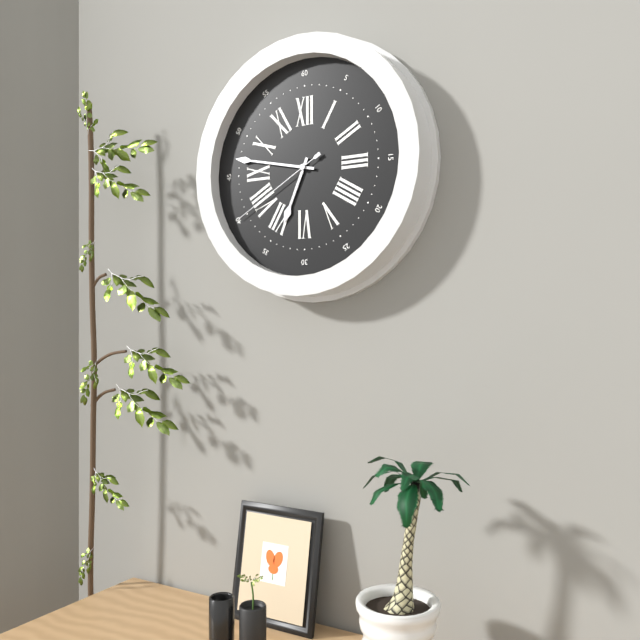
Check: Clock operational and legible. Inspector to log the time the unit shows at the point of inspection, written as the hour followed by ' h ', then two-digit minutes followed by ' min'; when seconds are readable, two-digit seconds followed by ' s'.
6 h 47 min 40 s
